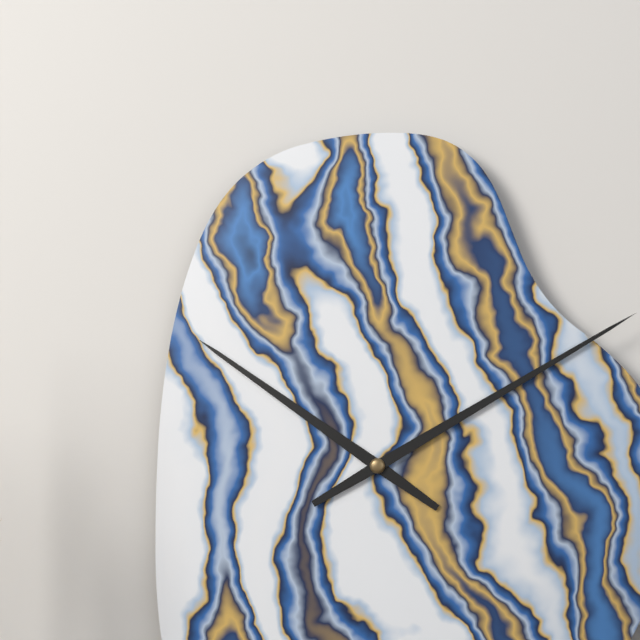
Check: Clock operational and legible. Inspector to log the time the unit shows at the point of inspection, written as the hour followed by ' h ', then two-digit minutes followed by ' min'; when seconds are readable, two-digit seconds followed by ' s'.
10 h 10 min
